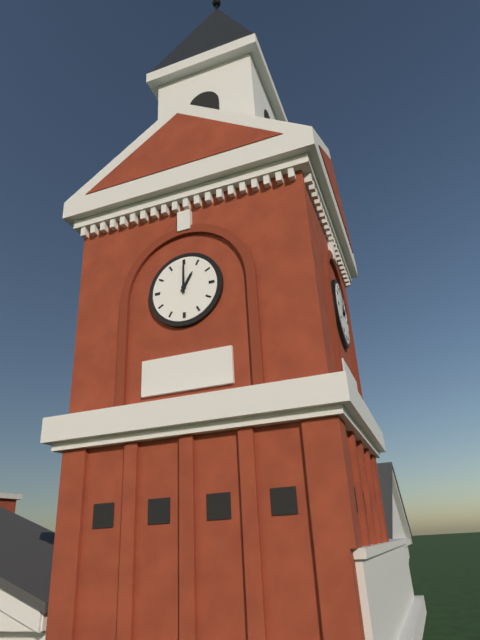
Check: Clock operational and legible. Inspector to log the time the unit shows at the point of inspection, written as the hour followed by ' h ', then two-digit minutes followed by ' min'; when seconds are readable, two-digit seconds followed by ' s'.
1 h 00 min
